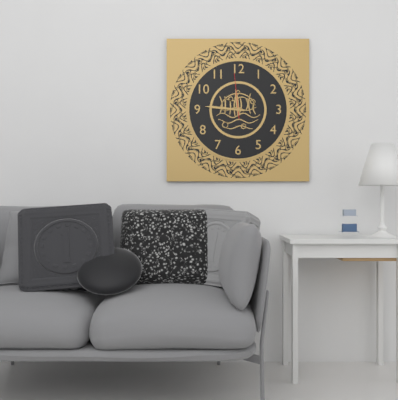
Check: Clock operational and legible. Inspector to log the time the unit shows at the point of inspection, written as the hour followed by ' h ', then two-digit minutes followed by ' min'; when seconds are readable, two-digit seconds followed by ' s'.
11 h 46 min
